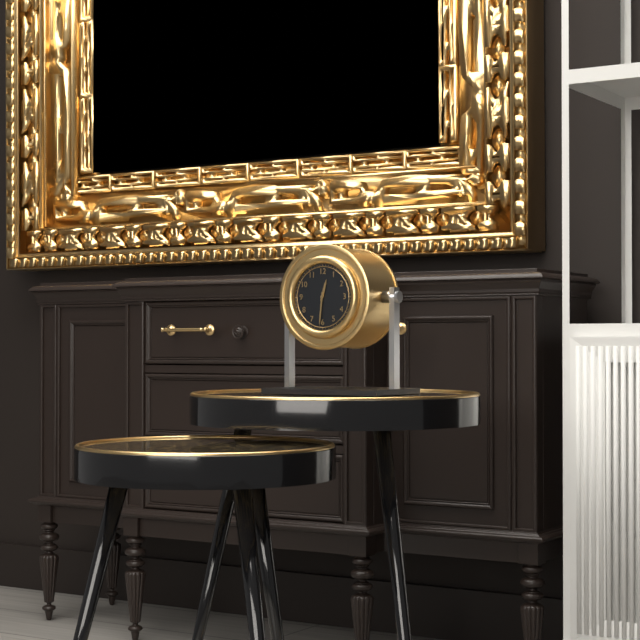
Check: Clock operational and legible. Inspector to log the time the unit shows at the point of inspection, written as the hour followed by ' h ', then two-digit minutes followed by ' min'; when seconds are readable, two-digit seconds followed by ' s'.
12 h 31 min
